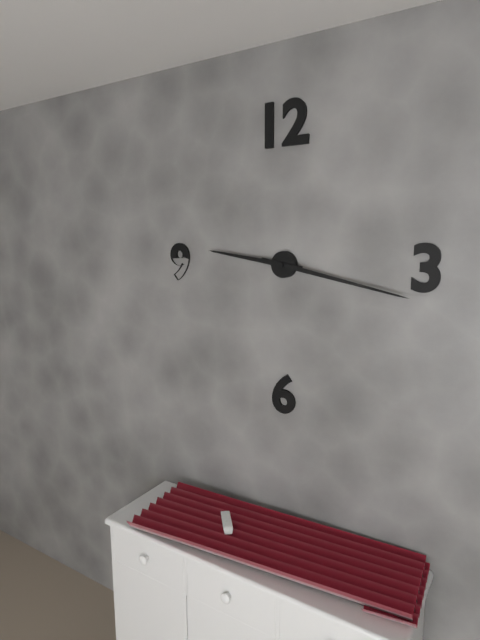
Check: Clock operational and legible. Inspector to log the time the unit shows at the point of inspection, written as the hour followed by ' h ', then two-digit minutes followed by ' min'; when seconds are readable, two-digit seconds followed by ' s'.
9 h 17 min
